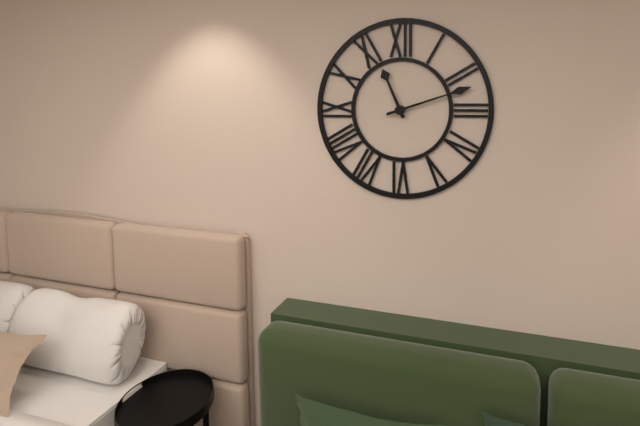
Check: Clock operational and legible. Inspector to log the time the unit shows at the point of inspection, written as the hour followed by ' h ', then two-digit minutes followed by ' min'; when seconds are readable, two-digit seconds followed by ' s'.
11 h 12 min
